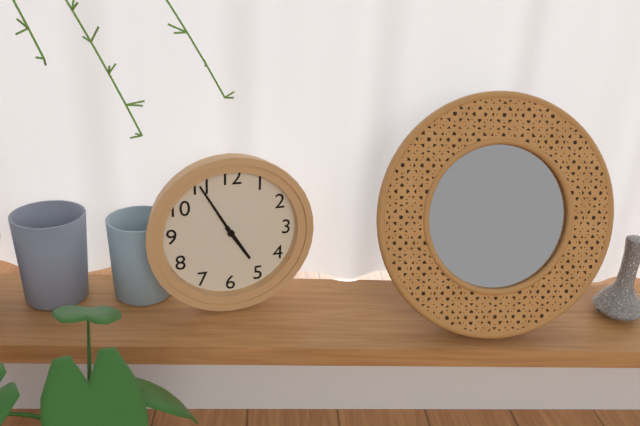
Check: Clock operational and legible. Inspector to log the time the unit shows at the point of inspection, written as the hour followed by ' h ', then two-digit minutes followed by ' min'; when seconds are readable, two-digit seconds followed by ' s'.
4 h 55 min
